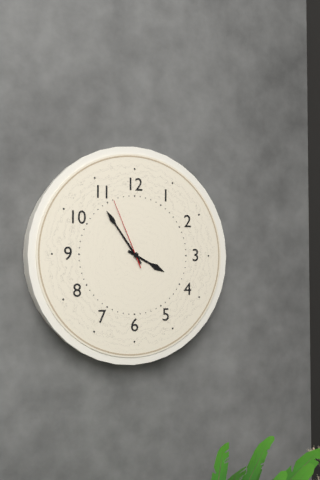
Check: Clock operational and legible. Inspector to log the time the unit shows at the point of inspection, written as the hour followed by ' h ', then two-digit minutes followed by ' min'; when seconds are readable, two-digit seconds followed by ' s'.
3 h 54 min 56 s
